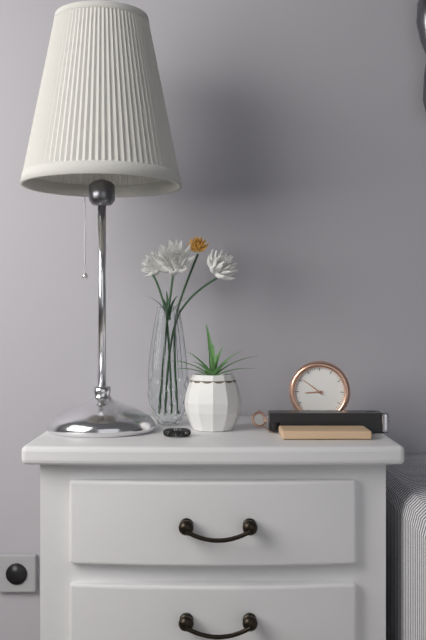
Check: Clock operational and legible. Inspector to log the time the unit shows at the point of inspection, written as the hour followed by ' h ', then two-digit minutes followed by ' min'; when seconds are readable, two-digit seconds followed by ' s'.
8 h 51 min
